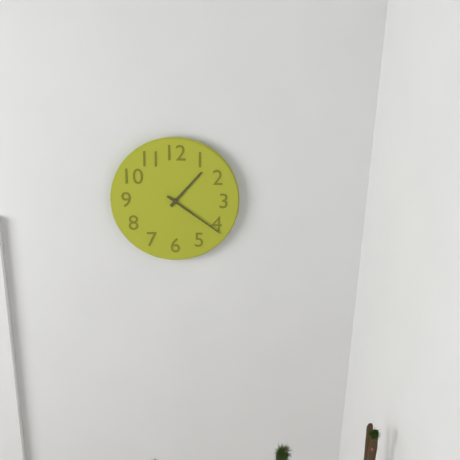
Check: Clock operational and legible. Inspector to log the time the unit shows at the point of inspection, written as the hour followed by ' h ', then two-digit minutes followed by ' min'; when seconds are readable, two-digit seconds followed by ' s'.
1 h 21 min
